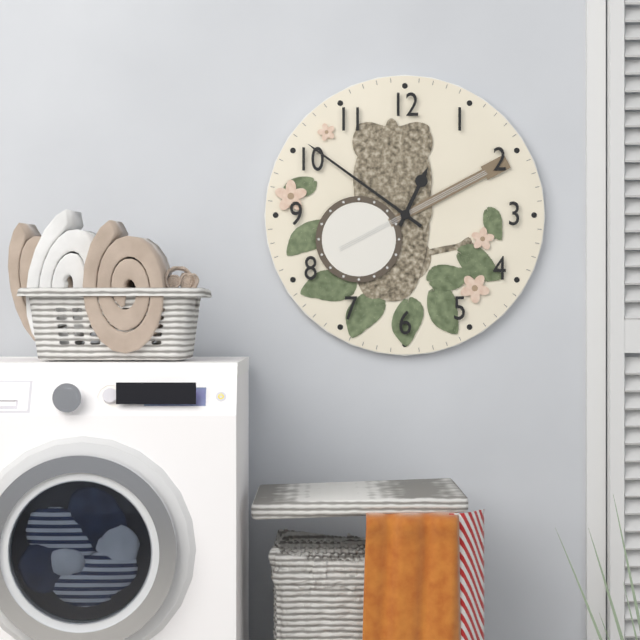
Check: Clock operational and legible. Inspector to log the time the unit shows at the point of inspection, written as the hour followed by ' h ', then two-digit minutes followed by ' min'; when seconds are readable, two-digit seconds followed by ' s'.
12 h 51 min
